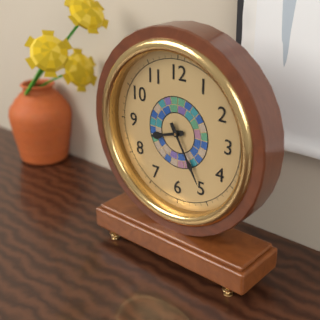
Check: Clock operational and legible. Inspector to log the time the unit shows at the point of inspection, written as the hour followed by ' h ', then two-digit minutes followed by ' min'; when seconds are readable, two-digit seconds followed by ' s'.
8 h 25 min
